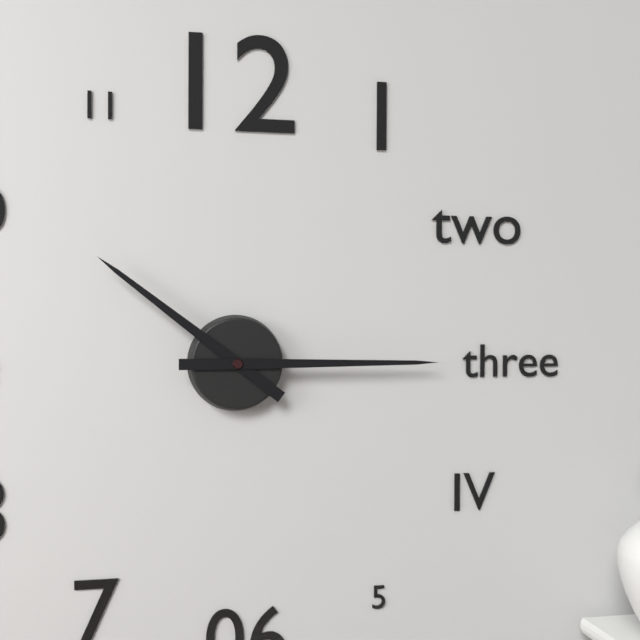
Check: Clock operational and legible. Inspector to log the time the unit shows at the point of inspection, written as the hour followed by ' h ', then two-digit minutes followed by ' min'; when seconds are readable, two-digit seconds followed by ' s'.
10 h 15 min
